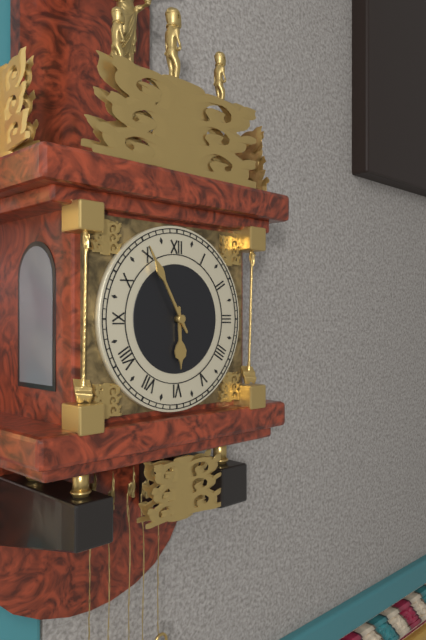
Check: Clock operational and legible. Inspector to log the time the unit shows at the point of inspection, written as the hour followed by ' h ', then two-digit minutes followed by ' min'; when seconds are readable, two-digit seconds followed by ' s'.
5 h 55 min
